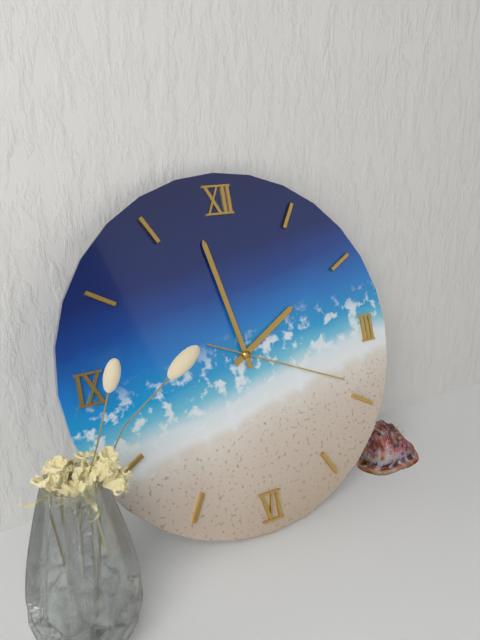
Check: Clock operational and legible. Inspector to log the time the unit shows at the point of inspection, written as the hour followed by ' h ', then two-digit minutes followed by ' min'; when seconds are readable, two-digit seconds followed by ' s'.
1 h 58 min 19 s
